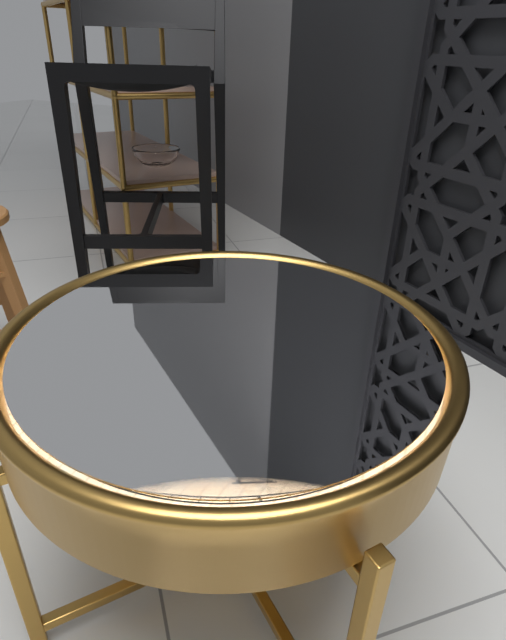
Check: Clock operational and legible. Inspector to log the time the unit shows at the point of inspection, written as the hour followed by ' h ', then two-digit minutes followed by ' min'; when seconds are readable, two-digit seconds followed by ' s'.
3 h 08 min
